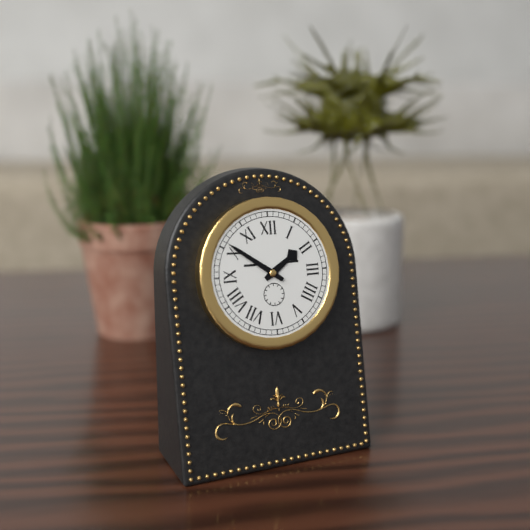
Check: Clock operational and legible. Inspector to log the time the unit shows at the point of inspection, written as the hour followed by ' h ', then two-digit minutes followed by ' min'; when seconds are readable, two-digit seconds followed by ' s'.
1 h 51 min
